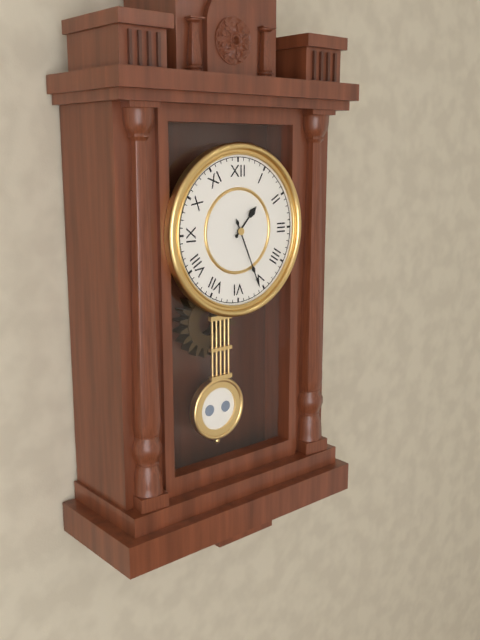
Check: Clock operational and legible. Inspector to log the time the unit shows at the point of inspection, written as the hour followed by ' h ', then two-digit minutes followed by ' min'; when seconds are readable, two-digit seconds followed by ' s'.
1 h 26 min
